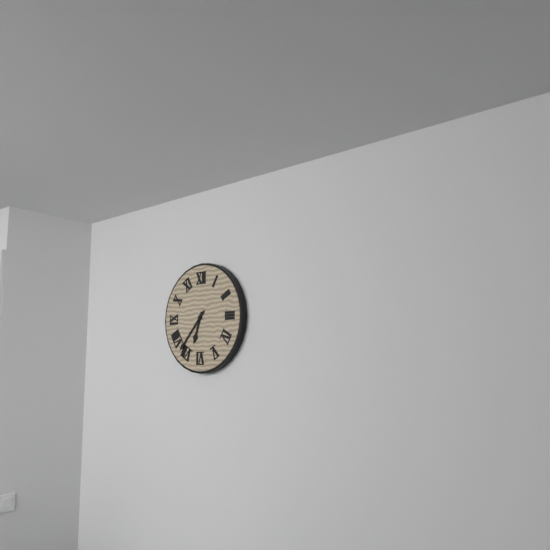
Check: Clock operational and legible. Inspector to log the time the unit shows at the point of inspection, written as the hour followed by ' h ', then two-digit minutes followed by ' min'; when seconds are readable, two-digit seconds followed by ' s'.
6 h 37 min
